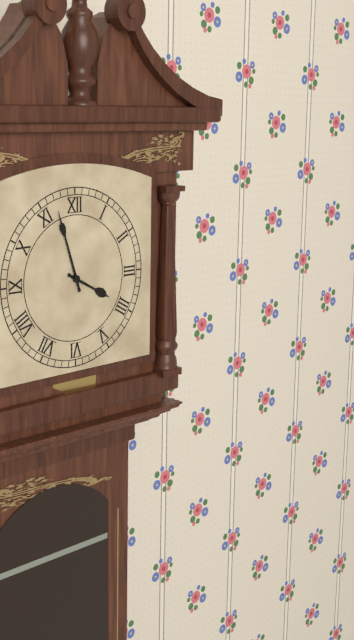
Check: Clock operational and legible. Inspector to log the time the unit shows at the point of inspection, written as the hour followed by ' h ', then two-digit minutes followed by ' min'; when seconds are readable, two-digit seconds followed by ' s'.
3 h 57 min
